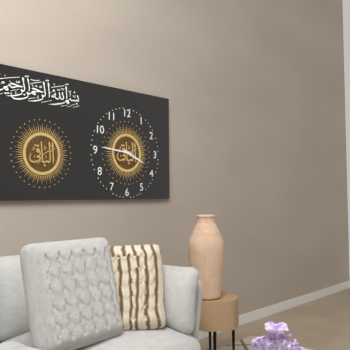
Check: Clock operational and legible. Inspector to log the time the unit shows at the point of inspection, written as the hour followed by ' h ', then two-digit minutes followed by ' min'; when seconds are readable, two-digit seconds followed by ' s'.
3 h 46 min
